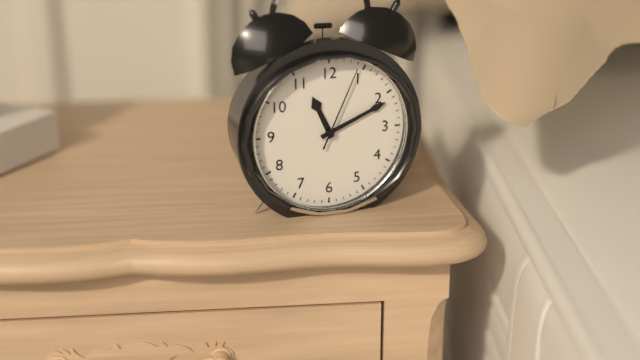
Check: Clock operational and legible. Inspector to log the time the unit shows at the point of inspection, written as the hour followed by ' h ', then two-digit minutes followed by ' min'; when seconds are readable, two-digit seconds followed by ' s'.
11 h 11 min 04 s
